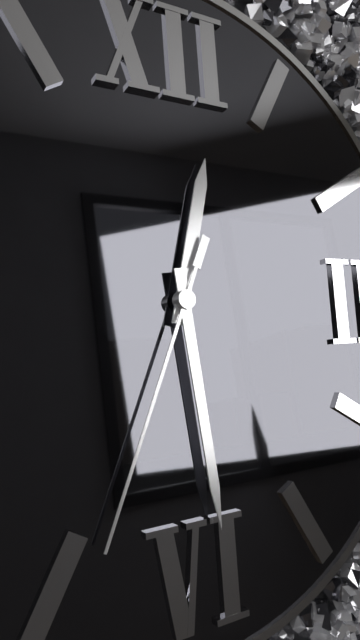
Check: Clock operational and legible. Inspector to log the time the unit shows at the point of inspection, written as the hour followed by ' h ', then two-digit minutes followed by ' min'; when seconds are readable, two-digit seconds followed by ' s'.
12 h 29 min 34 s
